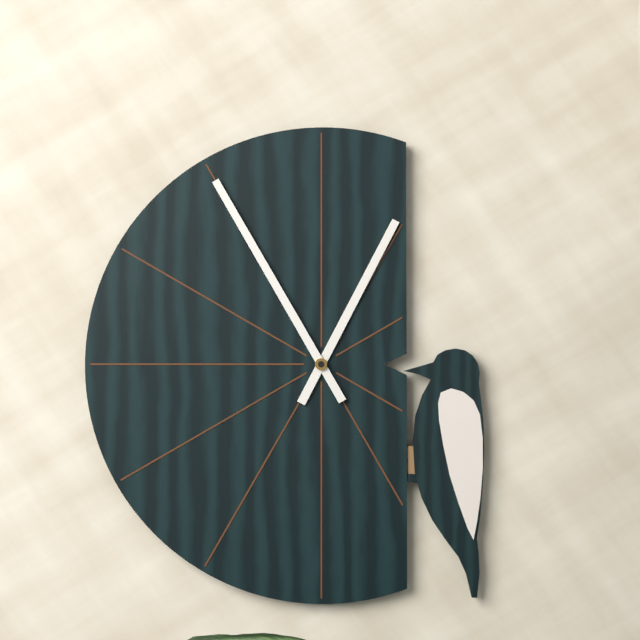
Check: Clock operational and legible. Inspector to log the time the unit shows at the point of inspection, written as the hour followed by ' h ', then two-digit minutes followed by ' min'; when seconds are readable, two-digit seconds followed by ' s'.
12 h 55 min
